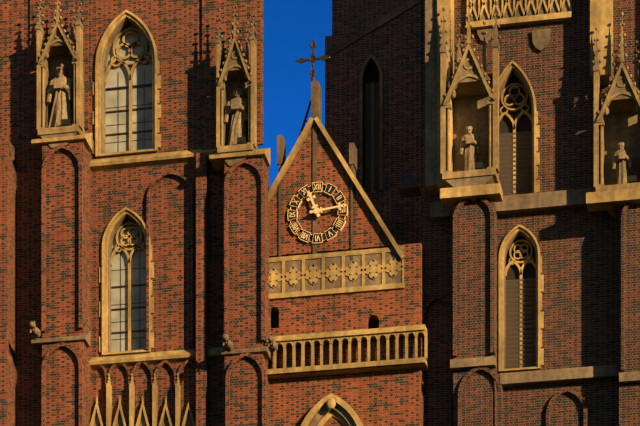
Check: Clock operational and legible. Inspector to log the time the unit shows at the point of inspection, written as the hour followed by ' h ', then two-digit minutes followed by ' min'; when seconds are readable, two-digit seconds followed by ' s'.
11 h 14 min
